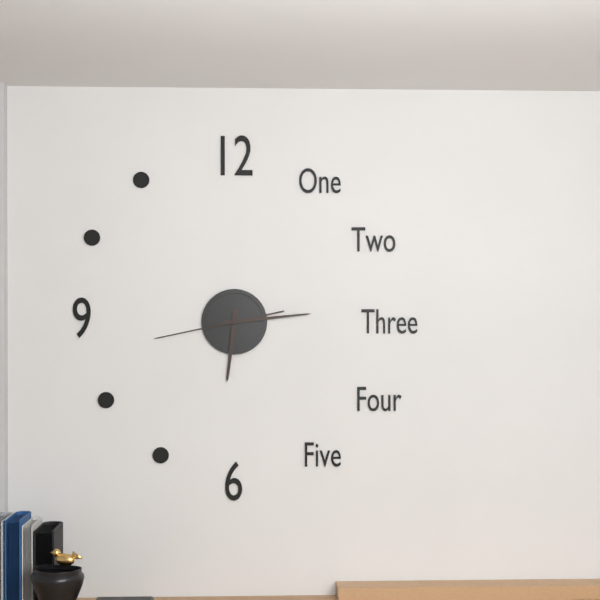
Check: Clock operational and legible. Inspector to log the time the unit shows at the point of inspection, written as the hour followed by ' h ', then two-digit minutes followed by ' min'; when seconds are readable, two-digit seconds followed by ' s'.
6 h 14 min 43 s
